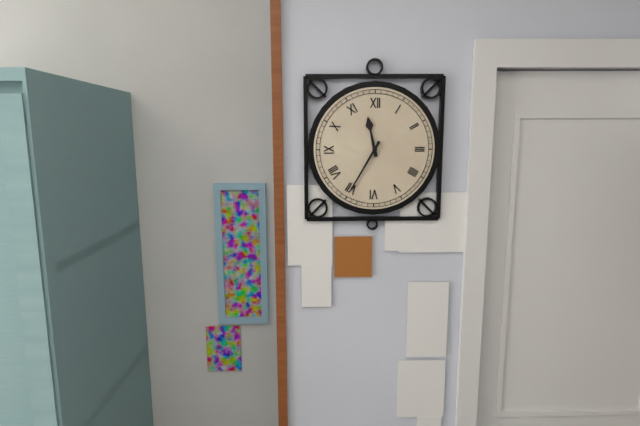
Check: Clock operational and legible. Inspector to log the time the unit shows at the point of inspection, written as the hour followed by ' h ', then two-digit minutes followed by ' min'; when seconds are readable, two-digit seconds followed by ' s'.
11 h 35 min
